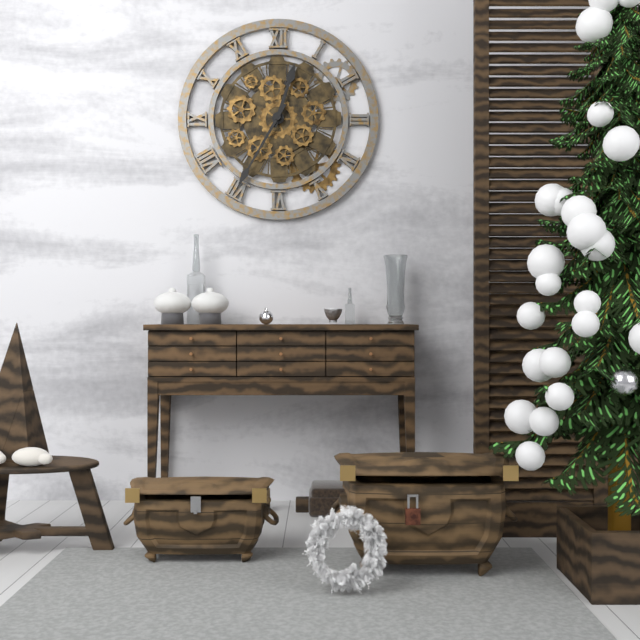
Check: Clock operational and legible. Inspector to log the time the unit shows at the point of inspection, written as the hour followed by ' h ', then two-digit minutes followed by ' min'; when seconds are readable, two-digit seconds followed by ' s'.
12 h 35 min
